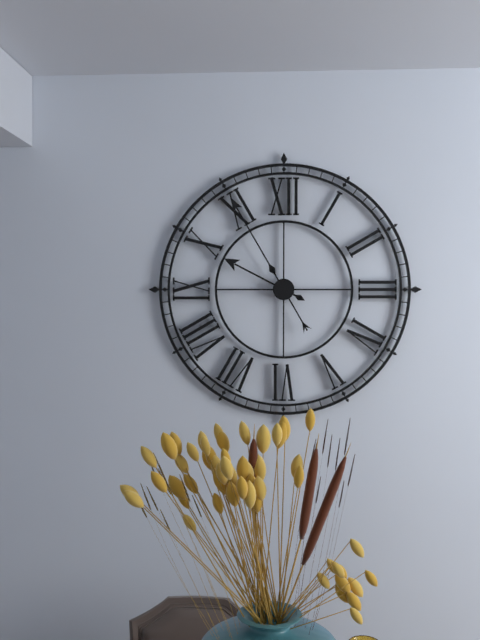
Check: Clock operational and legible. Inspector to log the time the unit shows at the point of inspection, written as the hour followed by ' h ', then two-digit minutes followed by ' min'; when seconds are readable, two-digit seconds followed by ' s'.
9 h 55 min
